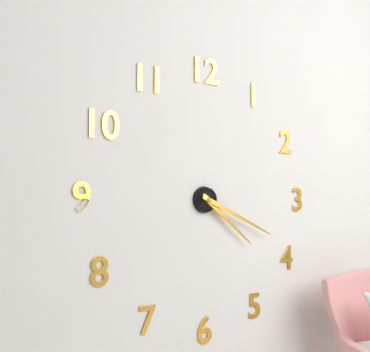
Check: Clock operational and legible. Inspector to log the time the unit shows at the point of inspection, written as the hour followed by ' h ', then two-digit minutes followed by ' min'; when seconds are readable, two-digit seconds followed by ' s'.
4 h 19 min
